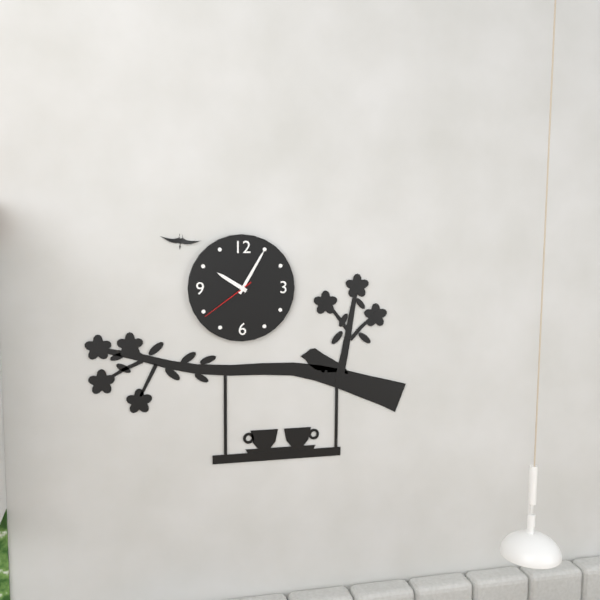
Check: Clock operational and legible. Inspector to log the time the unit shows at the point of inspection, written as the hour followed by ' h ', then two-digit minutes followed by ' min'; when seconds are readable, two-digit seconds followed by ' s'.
10 h 05 min 39 s
